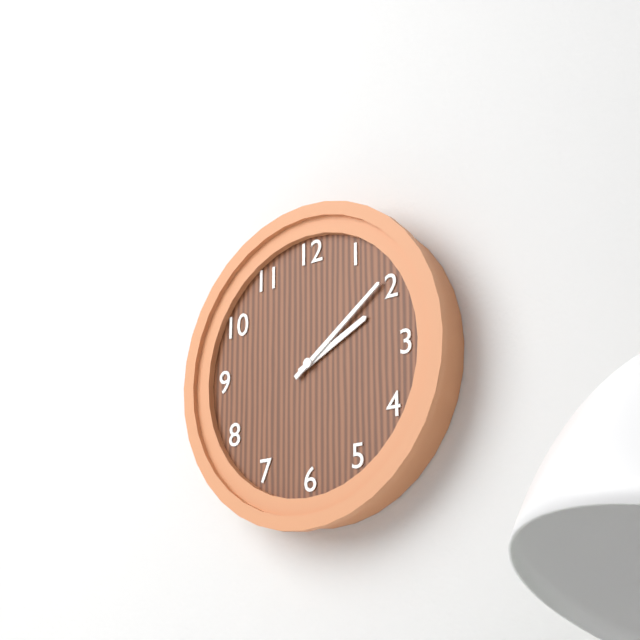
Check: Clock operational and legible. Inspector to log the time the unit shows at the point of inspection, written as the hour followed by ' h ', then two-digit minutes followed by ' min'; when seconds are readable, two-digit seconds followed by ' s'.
2 h 09 min
